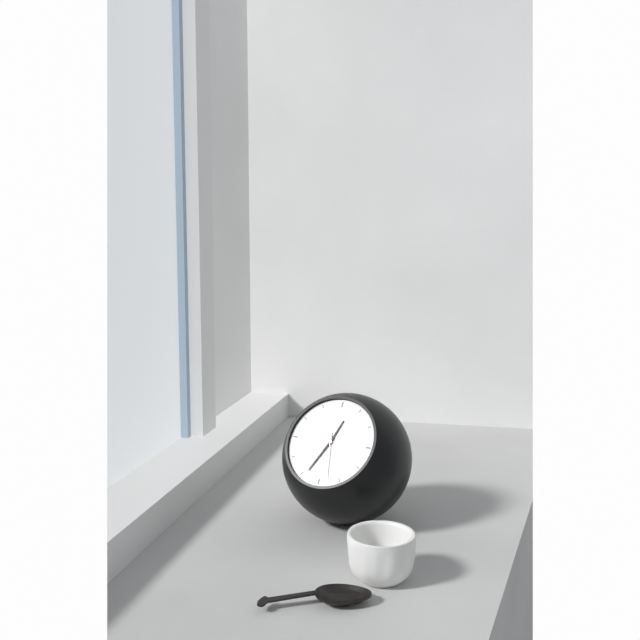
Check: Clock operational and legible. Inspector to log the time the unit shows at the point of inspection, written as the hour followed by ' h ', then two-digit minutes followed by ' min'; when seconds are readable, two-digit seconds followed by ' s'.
12 h 34 min
